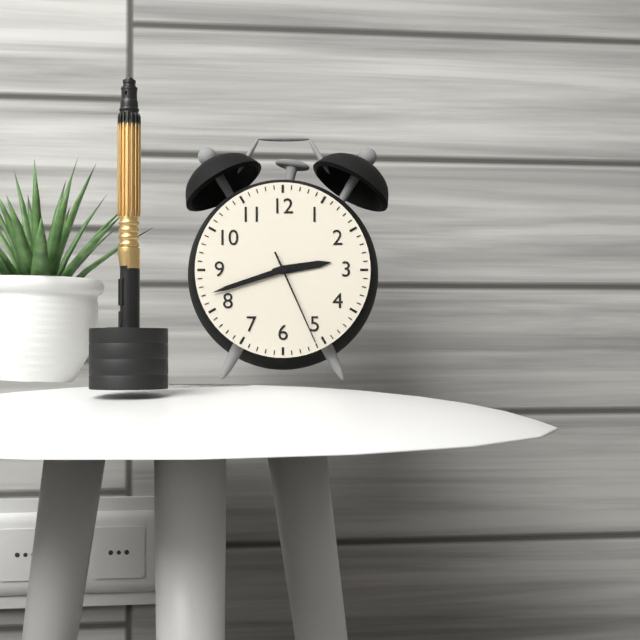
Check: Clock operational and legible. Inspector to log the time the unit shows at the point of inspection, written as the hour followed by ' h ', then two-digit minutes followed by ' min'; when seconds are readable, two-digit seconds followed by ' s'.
2 h 42 min 26 s
